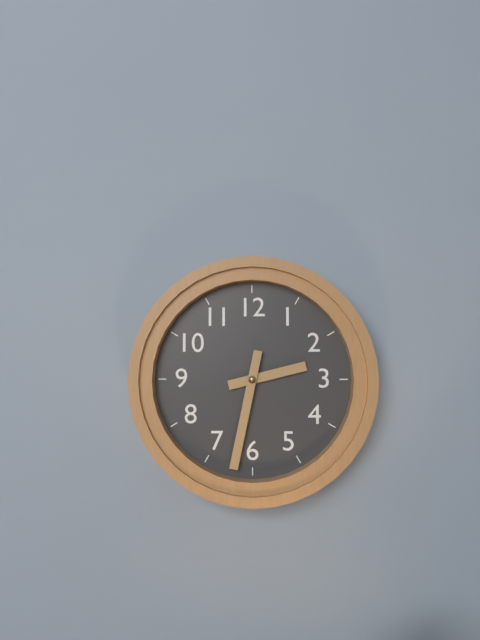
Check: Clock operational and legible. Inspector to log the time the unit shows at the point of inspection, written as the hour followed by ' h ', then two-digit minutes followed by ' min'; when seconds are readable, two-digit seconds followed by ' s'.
2 h 32 min
